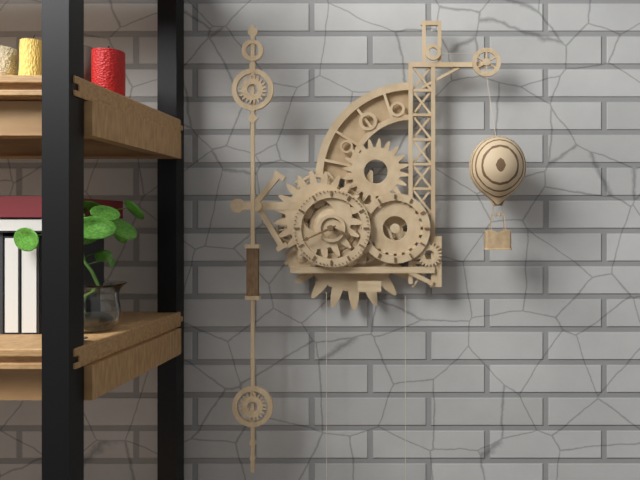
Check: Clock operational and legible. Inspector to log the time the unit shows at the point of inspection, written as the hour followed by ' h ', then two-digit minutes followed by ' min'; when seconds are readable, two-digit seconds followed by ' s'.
3 h 41 min
